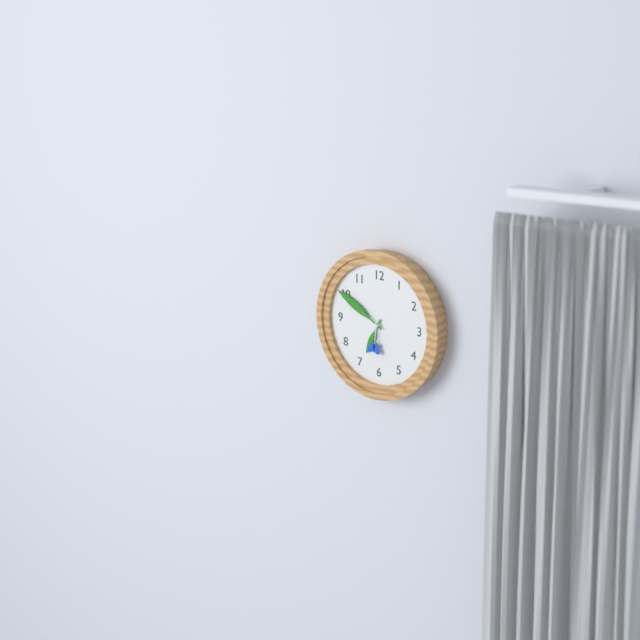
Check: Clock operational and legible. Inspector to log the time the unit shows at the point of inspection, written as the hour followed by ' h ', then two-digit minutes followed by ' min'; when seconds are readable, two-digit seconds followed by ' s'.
6 h 50 min
